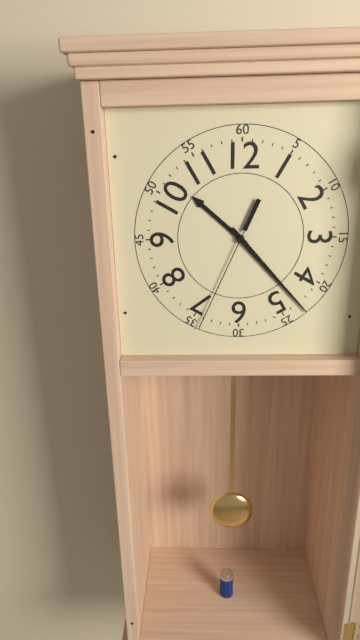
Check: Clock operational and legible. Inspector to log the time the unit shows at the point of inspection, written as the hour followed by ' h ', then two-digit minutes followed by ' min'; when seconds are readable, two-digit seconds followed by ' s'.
10 h 23 min 34 s
